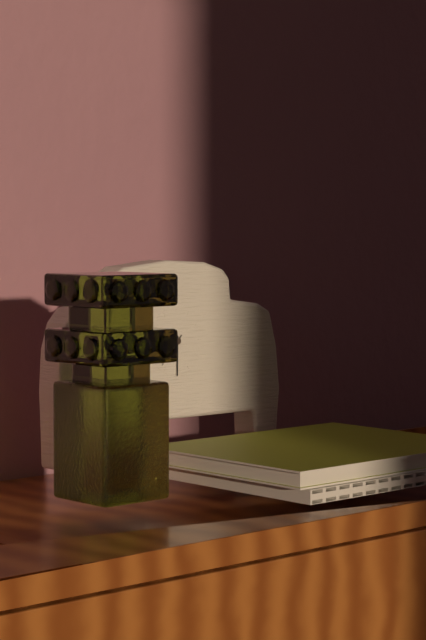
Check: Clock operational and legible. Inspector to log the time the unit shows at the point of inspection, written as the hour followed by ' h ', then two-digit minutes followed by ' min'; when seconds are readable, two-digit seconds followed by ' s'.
8 h 30 min
